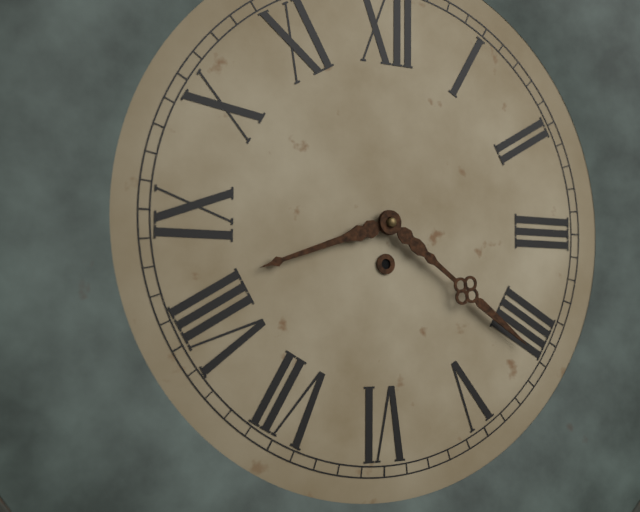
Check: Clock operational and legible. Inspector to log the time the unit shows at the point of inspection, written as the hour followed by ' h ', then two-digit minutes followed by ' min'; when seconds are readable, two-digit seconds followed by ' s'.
8 h 21 min
